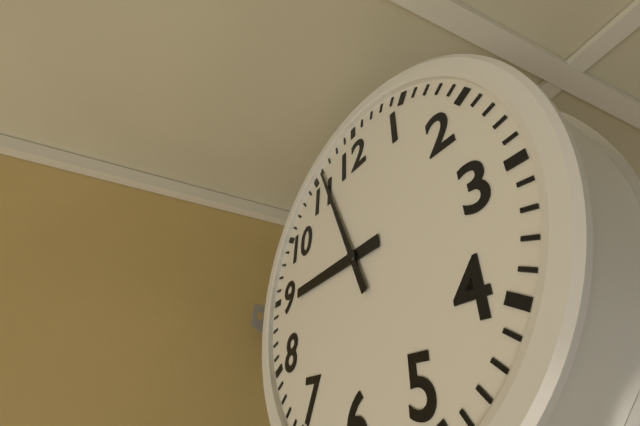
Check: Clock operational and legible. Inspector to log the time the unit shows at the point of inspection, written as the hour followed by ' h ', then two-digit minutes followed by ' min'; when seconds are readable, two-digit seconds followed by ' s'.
8 h 56 min
